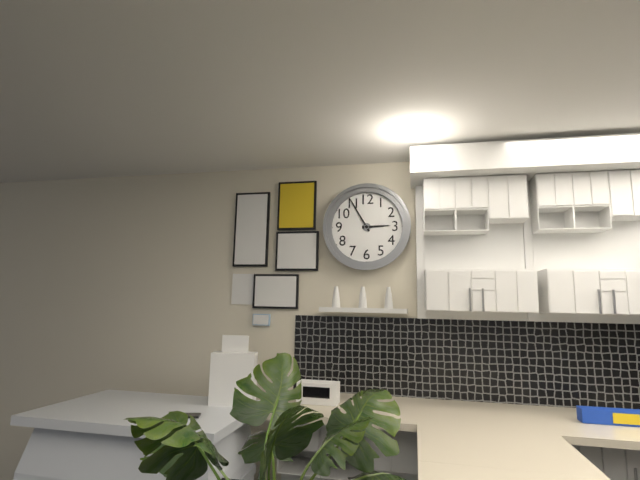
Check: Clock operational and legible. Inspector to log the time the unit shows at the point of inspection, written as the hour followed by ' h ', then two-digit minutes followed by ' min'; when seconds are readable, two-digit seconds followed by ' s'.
2 h 55 min
